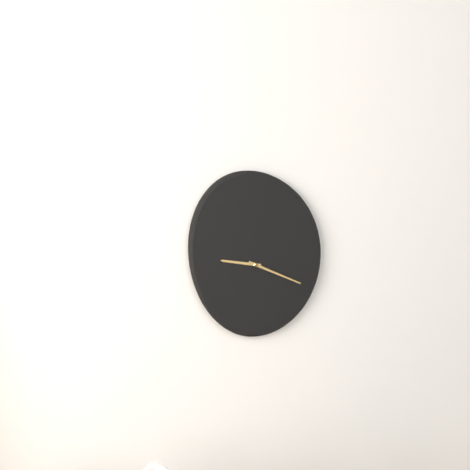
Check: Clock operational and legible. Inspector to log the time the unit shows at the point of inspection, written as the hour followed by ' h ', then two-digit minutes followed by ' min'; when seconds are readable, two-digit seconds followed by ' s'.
9 h 19 min
